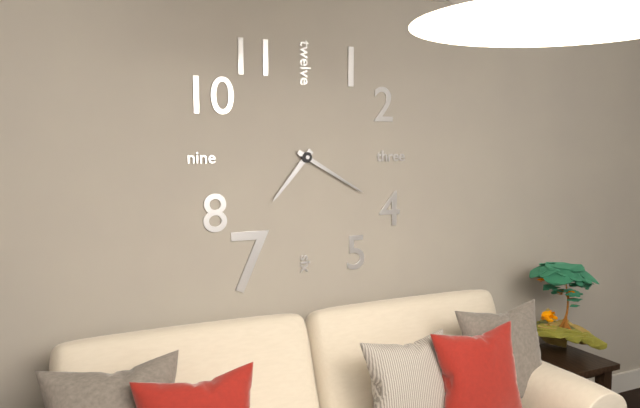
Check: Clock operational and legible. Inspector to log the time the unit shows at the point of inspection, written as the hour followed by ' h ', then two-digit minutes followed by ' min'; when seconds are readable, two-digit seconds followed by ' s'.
7 h 20 min
